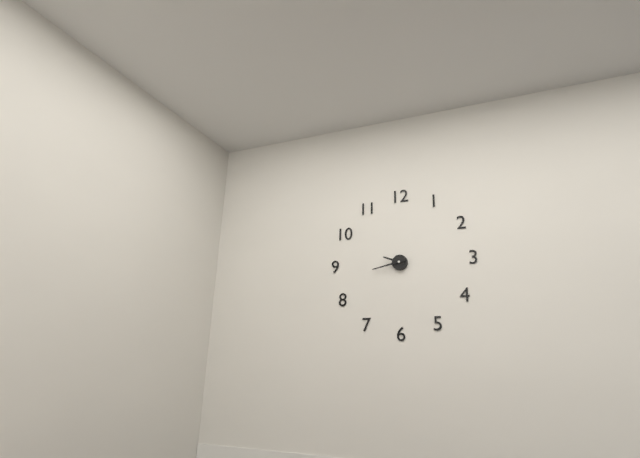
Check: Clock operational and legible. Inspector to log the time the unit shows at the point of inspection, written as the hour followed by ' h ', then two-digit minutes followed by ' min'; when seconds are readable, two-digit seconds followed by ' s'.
9 h 43 min
